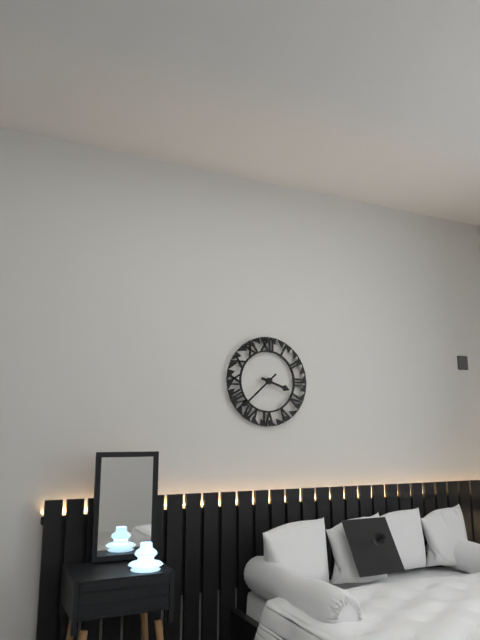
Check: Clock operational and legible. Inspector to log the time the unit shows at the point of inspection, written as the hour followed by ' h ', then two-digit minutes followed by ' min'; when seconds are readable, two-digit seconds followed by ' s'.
3 h 38 min
